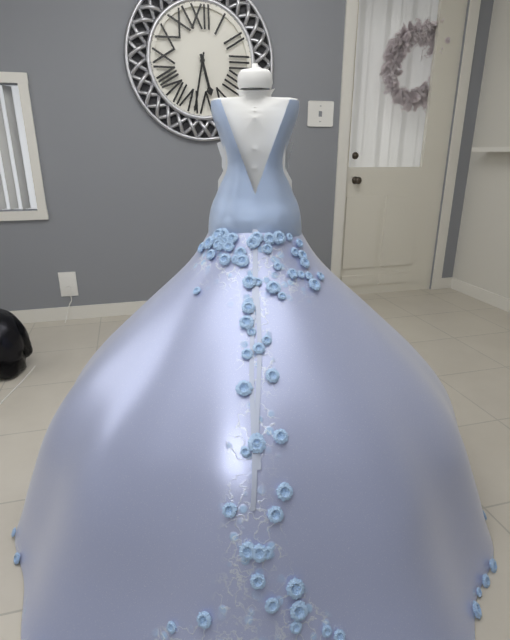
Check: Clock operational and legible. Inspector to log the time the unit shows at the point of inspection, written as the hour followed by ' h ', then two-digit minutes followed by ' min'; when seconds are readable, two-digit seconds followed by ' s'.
5 h 32 min
